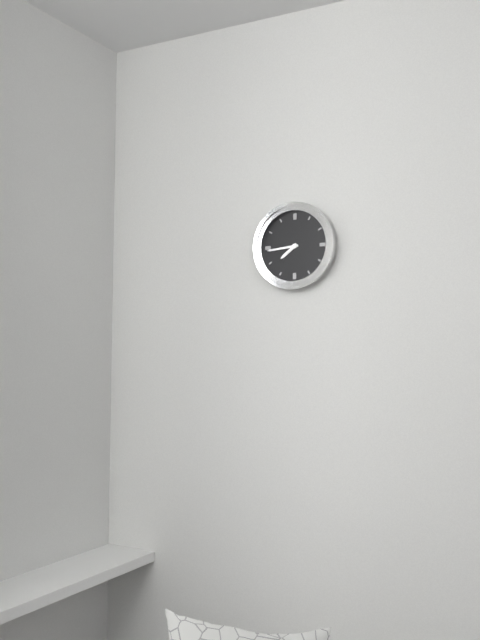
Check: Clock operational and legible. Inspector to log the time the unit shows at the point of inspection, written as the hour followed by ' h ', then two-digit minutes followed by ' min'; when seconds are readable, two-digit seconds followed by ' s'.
7 h 44 min
